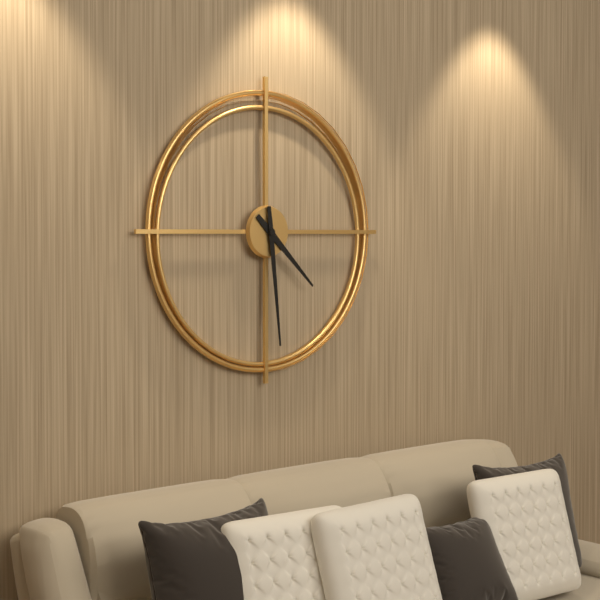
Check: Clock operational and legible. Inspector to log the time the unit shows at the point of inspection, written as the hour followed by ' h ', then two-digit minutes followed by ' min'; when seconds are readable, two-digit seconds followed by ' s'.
4 h 29 min
